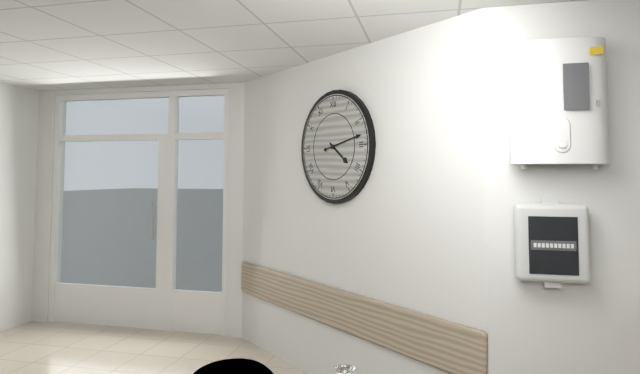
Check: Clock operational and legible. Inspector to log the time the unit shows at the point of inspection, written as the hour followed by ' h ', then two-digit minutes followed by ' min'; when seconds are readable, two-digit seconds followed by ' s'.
4 h 13 min
